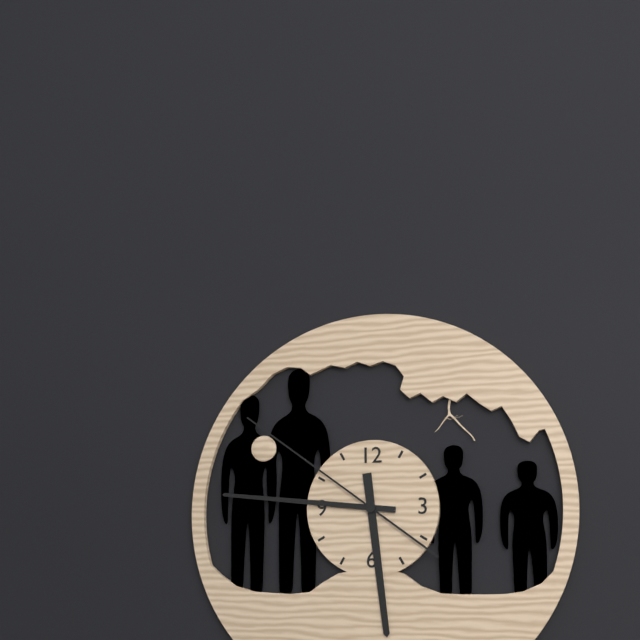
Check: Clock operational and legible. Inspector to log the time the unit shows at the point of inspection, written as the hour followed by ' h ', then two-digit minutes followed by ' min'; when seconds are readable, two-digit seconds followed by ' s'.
5 h 46 min 51 s
